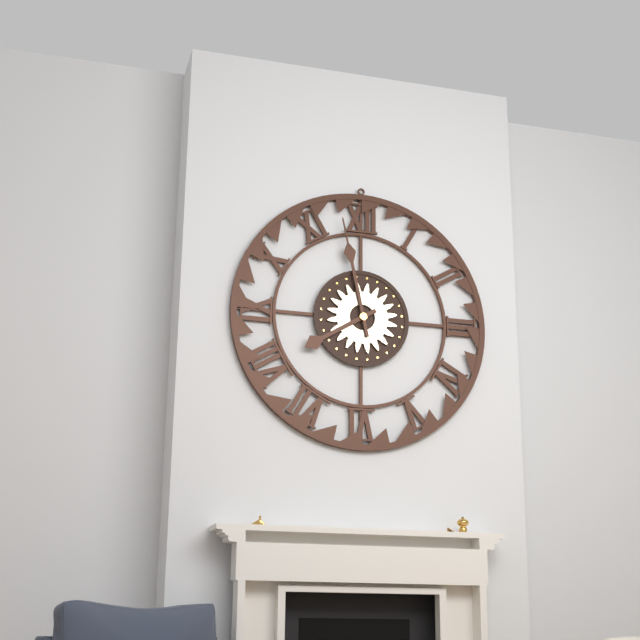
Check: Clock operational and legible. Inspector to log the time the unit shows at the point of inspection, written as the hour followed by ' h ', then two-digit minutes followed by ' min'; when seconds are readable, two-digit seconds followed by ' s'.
7 h 58 min
